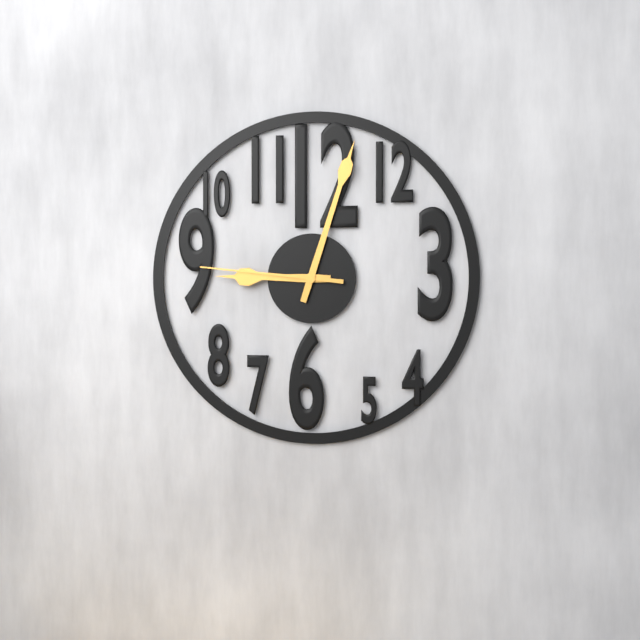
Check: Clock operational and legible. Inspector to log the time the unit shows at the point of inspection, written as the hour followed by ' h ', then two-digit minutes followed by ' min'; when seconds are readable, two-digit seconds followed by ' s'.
9 h 03 min 46 s
